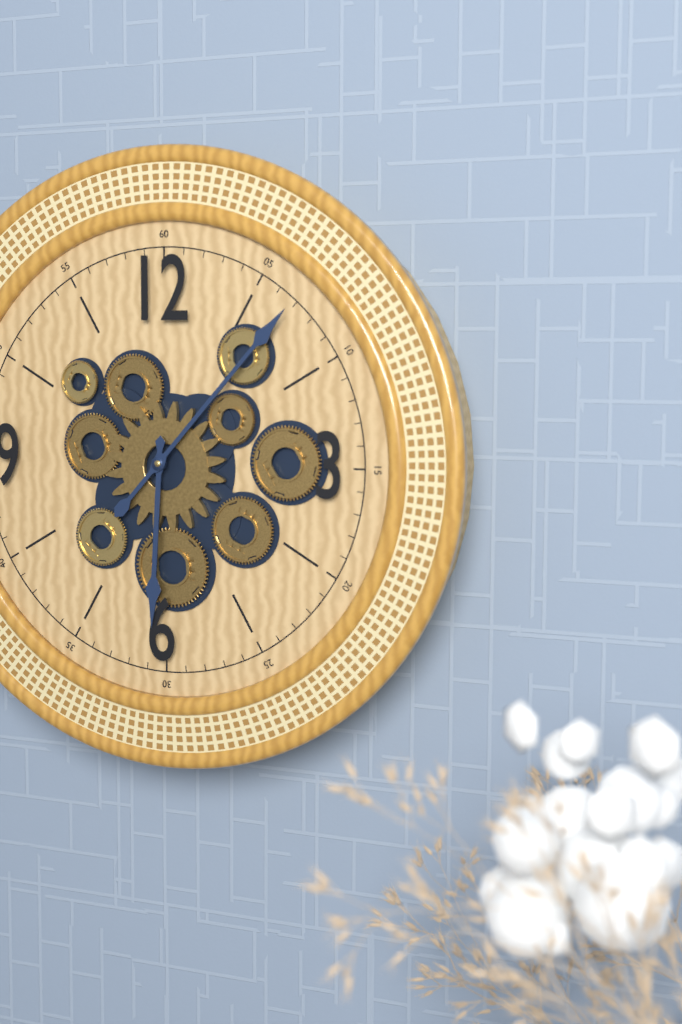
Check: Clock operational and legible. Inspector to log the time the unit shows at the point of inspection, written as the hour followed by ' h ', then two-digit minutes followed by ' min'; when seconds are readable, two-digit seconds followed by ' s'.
6 h 07 min
